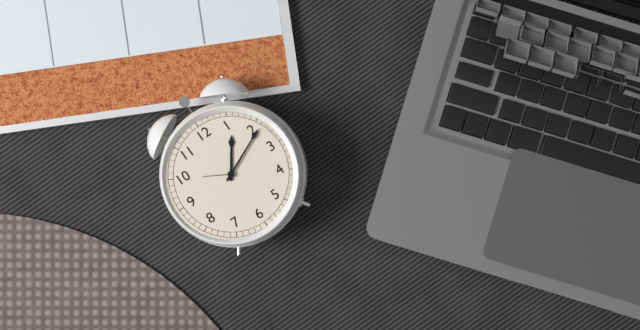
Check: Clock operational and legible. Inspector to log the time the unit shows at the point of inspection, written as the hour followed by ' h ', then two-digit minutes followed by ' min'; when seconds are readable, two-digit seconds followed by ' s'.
1 h 11 min
